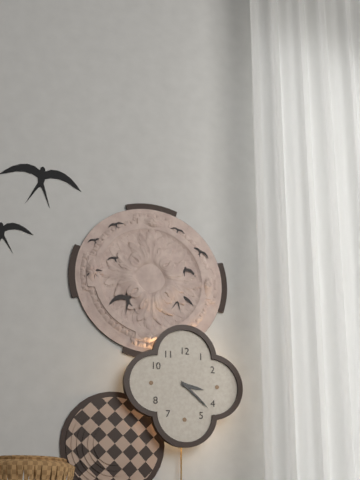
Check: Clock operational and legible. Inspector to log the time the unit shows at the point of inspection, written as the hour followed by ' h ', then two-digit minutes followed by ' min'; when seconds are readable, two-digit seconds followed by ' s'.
3 h 22 min
